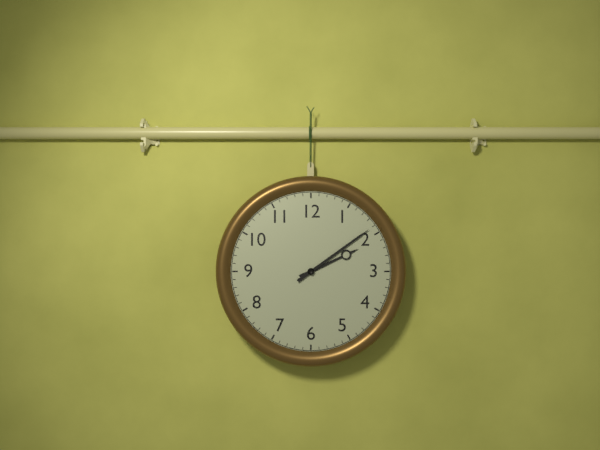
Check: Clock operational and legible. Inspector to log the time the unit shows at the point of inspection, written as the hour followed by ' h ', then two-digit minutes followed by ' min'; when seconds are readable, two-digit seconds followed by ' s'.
2 h 09 min
